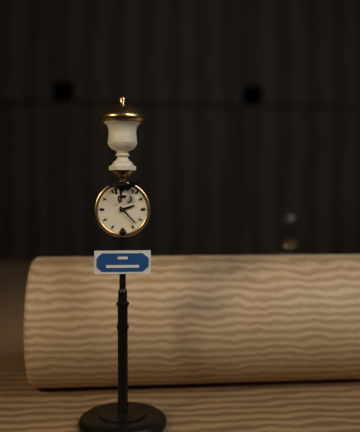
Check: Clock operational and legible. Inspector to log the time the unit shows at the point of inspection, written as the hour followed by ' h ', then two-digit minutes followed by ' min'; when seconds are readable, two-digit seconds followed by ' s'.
2 h 23 min
